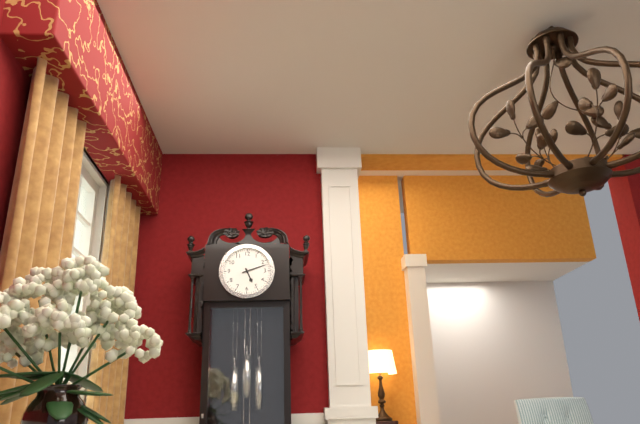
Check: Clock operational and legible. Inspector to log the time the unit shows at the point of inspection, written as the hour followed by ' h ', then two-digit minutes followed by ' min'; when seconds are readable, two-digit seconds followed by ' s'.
5 h 12 min
